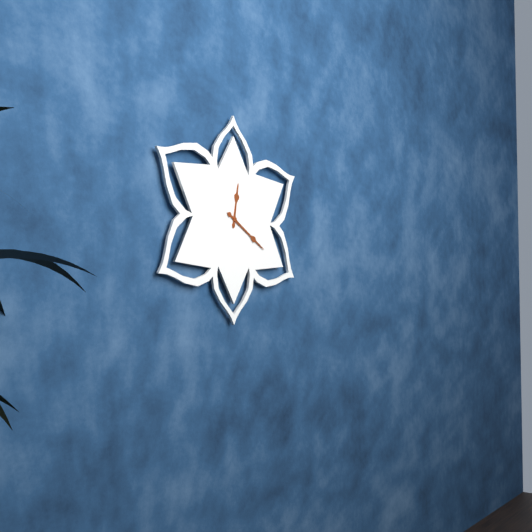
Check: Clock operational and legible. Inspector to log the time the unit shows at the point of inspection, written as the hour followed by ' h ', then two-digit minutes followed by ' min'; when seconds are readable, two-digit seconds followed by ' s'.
12 h 20 min
